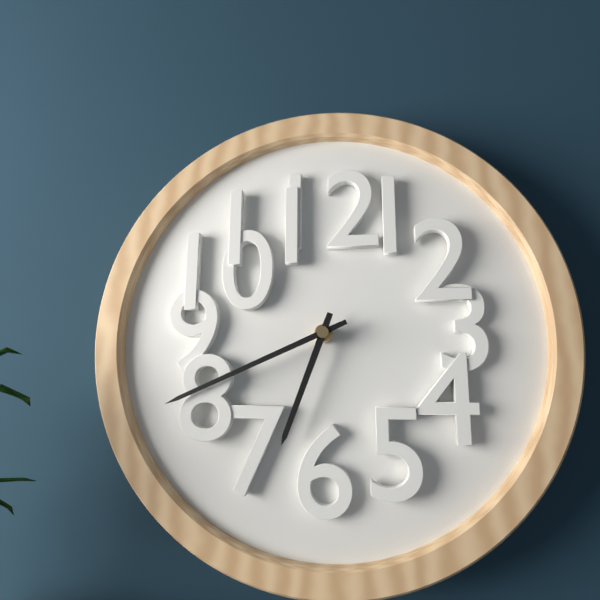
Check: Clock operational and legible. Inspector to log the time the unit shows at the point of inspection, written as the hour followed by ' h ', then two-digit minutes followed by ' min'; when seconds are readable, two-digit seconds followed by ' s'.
6 h 41 min
